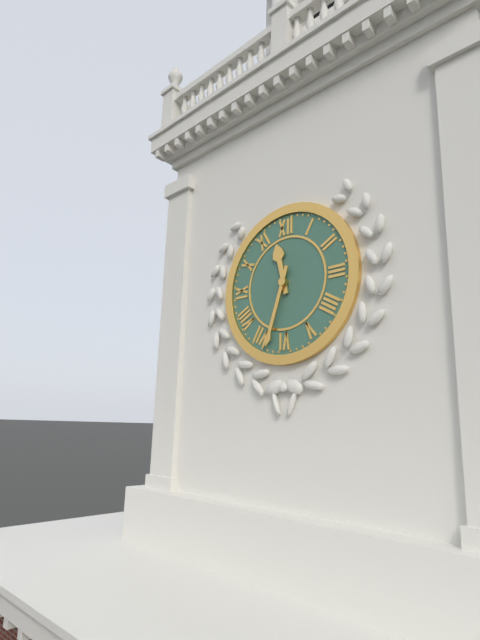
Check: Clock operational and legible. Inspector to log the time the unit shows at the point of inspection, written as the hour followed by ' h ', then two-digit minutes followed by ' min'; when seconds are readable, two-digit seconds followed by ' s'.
11 h 33 min
